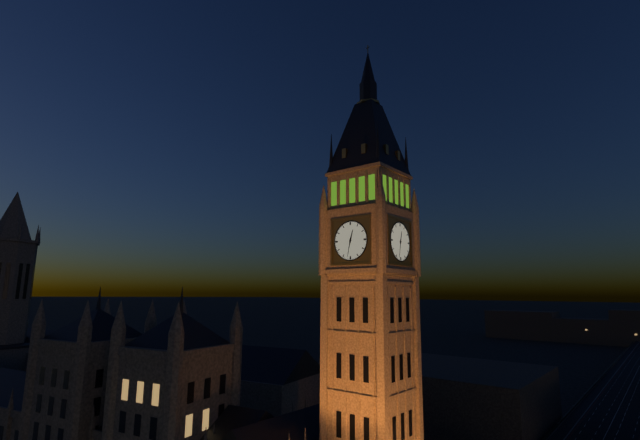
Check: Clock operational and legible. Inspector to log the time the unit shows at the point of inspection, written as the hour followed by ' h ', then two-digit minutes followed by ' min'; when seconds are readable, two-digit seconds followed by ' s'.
12 h 32 min
